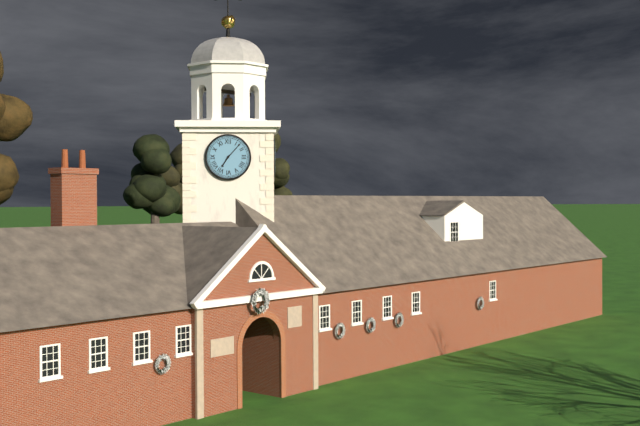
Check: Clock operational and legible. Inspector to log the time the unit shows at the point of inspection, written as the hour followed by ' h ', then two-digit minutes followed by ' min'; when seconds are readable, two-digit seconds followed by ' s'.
7 h 07 min
